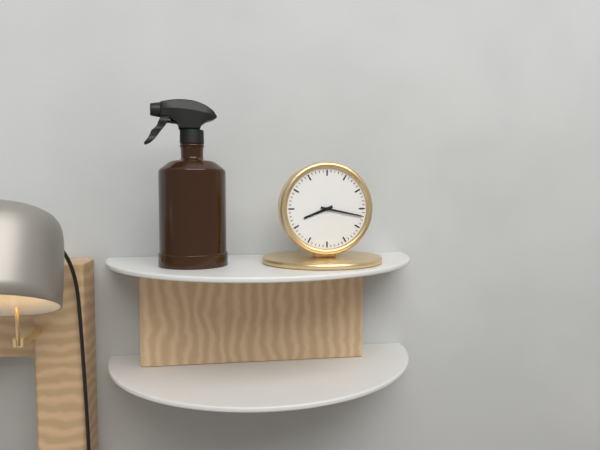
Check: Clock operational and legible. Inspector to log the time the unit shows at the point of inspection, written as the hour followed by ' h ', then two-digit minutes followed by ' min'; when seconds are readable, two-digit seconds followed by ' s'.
8 h 17 min
